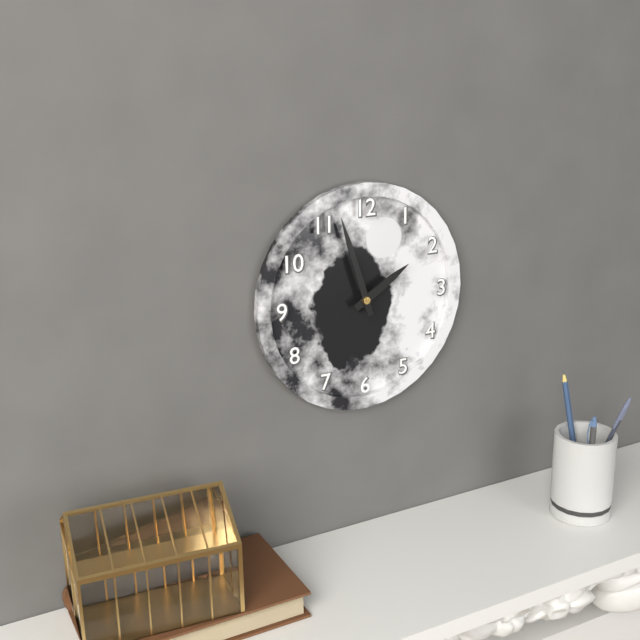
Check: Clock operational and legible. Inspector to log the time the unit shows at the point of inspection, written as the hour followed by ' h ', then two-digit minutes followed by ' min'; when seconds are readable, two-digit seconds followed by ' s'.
1 h 57 min
